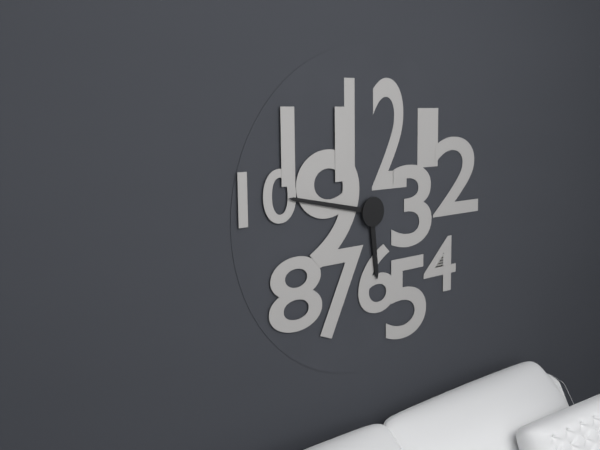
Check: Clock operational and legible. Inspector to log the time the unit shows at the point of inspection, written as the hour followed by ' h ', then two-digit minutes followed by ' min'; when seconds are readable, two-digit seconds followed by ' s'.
5 h 47 min
